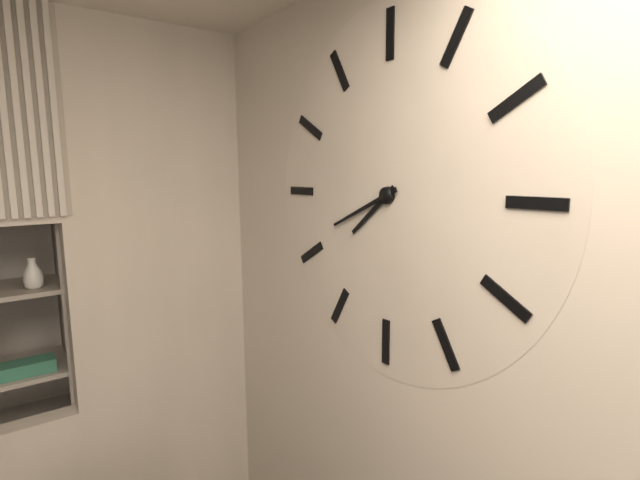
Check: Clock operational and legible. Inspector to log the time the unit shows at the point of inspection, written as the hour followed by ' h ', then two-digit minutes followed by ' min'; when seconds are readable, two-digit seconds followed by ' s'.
7 h 41 min
